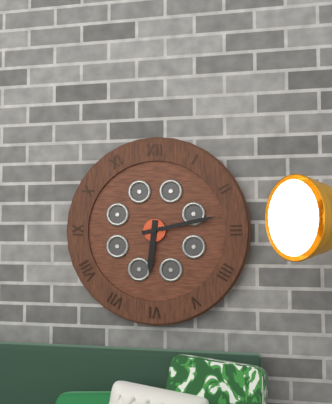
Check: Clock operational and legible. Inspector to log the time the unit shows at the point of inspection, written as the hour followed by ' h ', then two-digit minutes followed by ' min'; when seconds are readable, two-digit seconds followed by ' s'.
6 h 13 min
